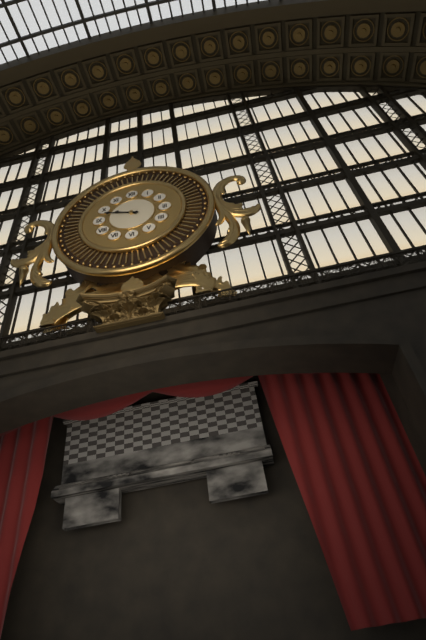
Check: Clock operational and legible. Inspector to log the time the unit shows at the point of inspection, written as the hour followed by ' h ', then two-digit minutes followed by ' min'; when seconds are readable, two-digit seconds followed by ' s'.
9 h 48 min
